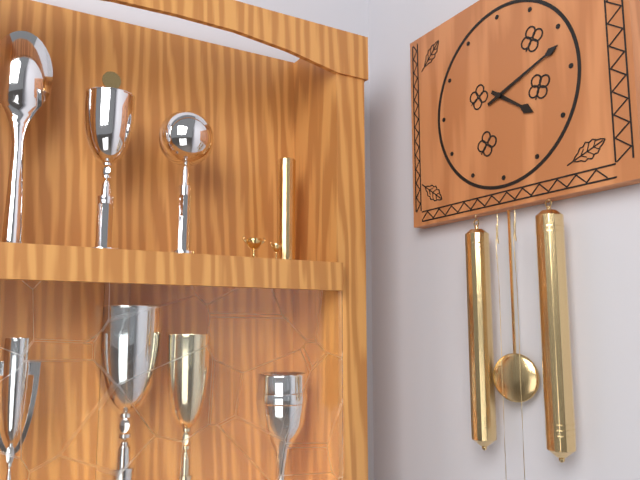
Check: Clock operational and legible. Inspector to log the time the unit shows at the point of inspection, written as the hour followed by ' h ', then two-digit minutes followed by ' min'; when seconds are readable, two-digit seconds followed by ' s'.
4 h 12 min
